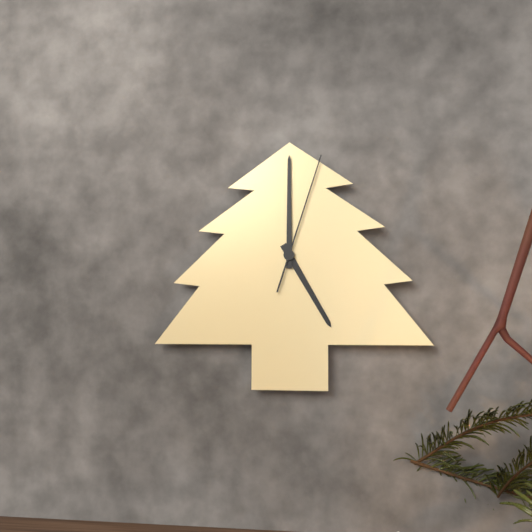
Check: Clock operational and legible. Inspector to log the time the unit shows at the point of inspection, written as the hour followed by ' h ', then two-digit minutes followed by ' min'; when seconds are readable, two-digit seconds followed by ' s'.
5 h 00 min 03 s
